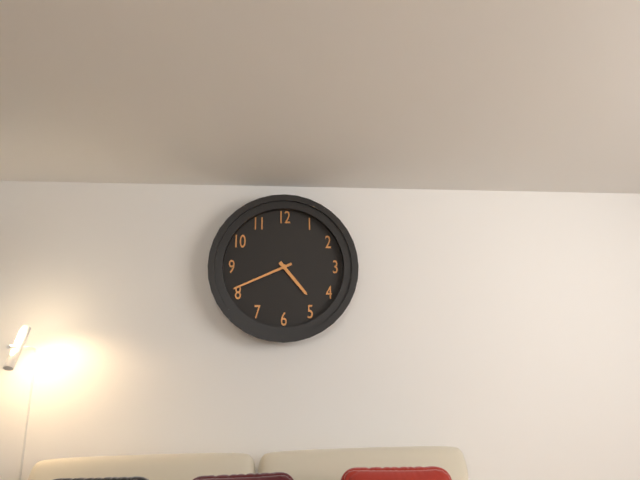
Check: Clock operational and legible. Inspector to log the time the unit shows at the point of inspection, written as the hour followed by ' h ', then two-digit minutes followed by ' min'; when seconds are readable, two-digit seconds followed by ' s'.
4 h 41 min
